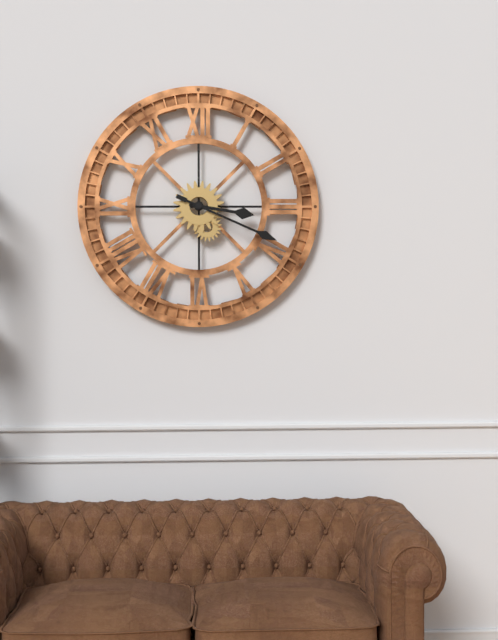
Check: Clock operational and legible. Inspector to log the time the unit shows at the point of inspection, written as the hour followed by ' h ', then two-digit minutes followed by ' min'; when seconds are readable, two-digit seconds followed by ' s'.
3 h 19 min
